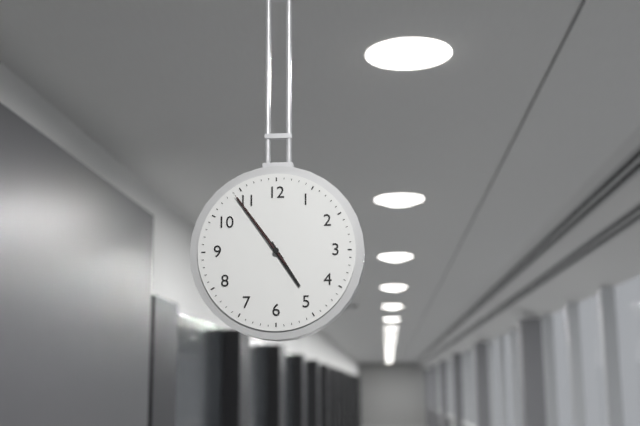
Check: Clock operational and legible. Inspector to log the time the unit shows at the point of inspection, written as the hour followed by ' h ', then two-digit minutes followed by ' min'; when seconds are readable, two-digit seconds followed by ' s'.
4 h 54 min 54 s
